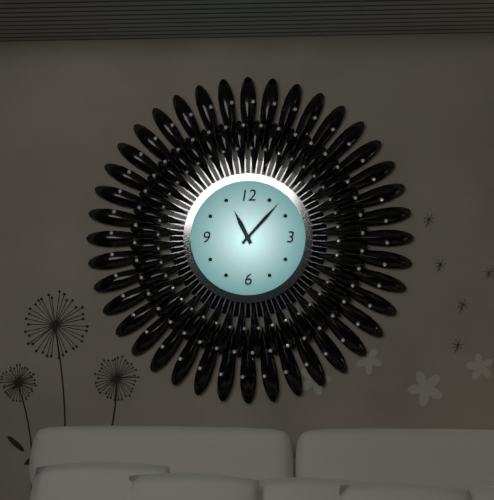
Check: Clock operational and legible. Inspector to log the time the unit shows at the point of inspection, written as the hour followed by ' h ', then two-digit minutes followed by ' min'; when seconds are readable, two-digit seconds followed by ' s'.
11 h 07 min
